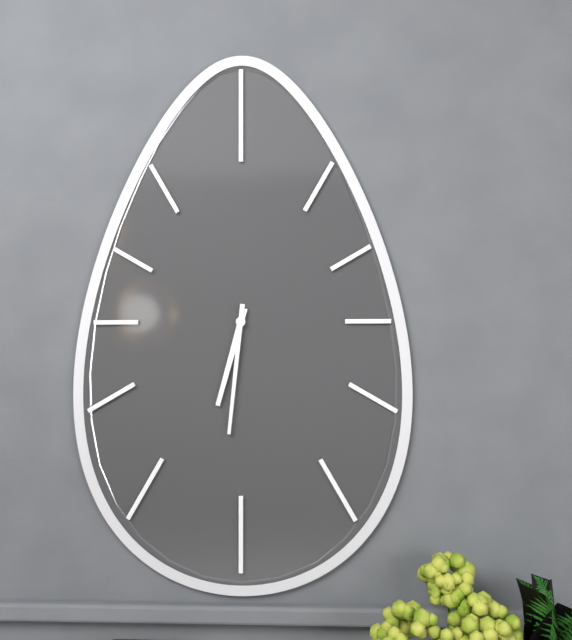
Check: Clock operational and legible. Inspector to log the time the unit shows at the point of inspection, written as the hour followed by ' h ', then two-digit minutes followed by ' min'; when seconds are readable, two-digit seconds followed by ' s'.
6 h 31 min
